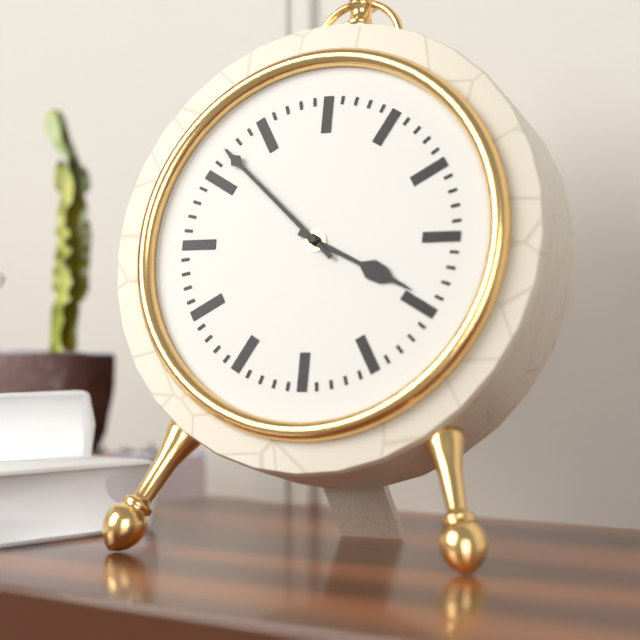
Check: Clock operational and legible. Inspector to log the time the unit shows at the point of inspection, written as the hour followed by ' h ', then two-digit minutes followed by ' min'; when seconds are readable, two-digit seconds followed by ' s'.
3 h 52 min
